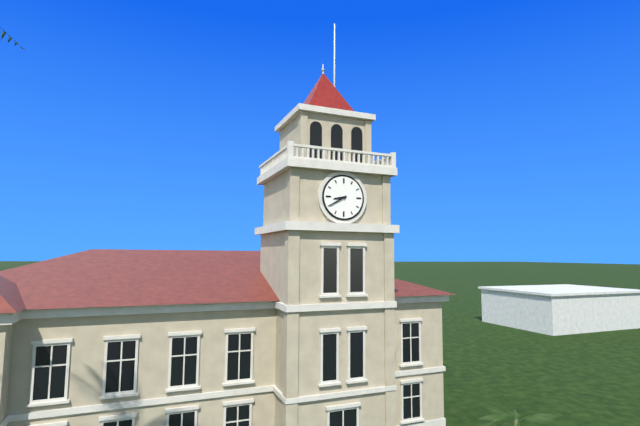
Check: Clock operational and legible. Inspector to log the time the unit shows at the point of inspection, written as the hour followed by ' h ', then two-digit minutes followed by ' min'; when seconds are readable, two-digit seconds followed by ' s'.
8 h 40 min
